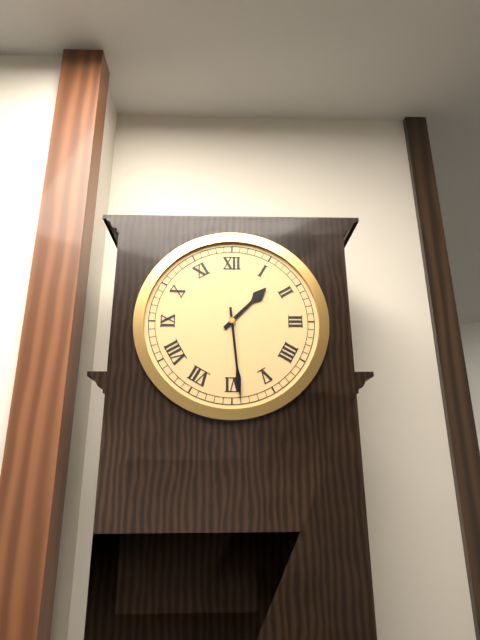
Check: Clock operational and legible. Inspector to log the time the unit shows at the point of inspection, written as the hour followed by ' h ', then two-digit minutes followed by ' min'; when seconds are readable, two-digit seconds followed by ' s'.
1 h 29 min
